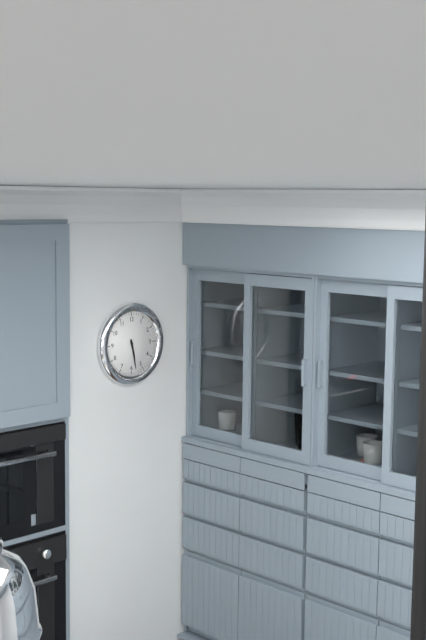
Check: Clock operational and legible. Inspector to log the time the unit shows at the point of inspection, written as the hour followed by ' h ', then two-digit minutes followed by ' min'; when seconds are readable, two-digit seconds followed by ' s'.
5 h 28 min
